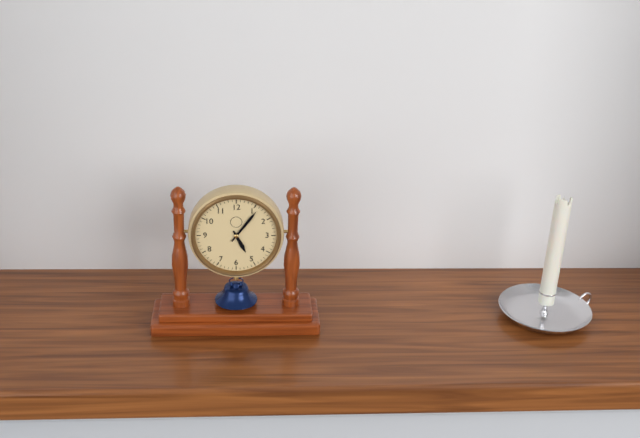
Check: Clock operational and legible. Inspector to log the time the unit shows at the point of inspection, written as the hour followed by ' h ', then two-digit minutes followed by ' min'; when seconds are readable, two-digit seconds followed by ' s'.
5 h 06 min
